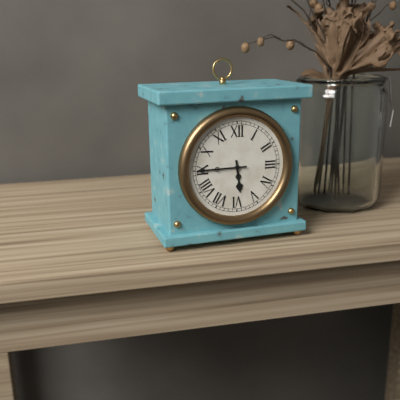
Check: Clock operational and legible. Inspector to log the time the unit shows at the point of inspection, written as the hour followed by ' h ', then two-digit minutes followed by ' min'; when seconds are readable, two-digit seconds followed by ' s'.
5 h 45 min
